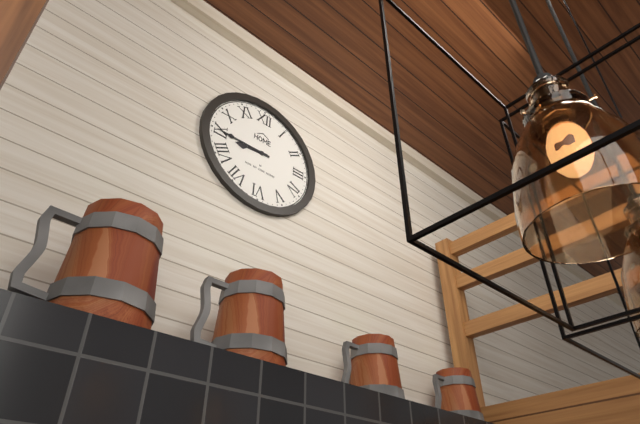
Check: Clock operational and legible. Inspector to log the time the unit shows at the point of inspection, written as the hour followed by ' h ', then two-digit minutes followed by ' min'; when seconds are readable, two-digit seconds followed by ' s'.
8 h 45 min
